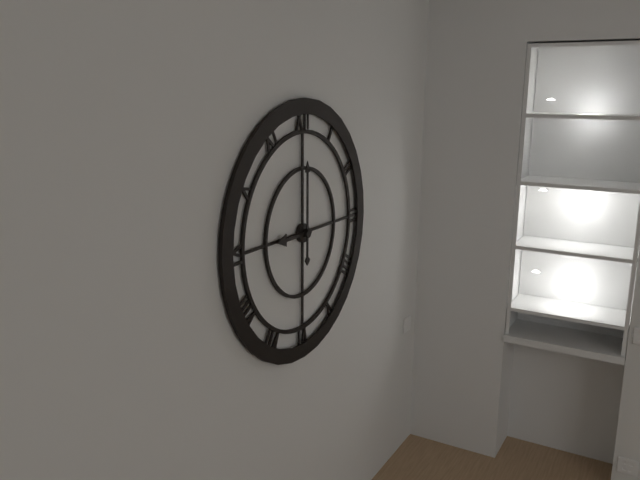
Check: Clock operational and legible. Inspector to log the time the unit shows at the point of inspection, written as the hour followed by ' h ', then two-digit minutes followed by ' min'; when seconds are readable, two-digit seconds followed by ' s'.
9 h 00 min
